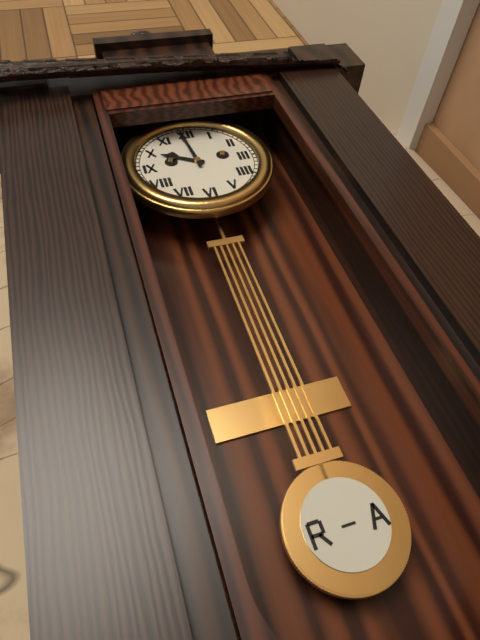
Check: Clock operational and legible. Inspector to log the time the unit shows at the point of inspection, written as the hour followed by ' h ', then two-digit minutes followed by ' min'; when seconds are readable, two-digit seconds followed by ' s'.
9 h 59 min
